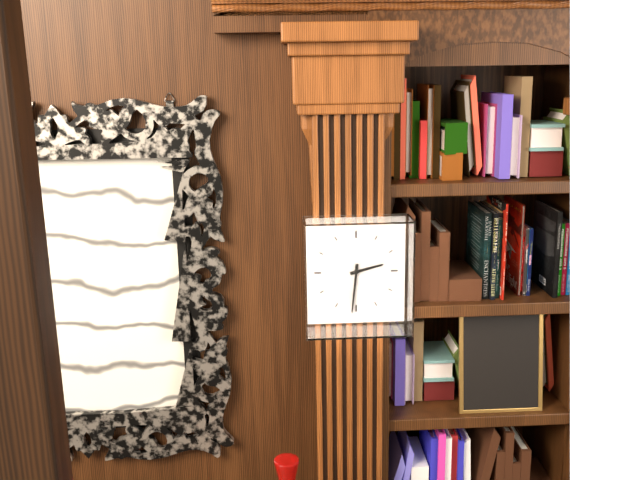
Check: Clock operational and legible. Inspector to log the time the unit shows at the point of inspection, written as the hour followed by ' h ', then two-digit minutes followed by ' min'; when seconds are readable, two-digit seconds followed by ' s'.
2 h 31 min
